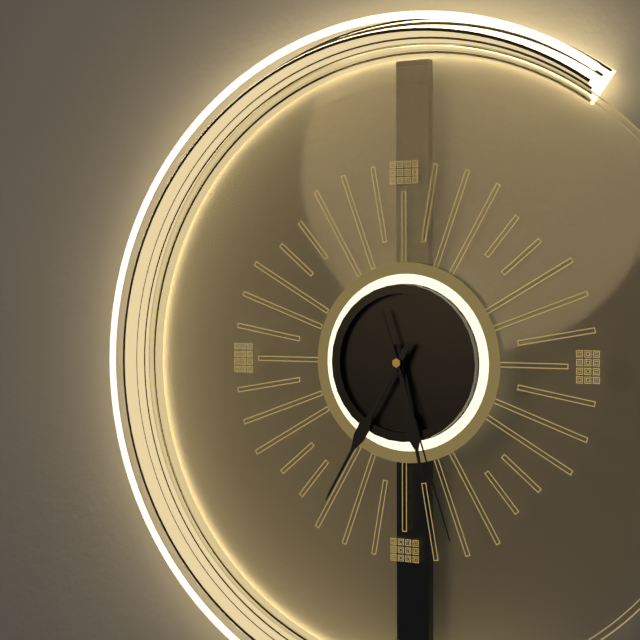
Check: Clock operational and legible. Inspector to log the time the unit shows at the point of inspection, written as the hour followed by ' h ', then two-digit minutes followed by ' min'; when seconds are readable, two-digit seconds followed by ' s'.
5 h 35 min 27 s
